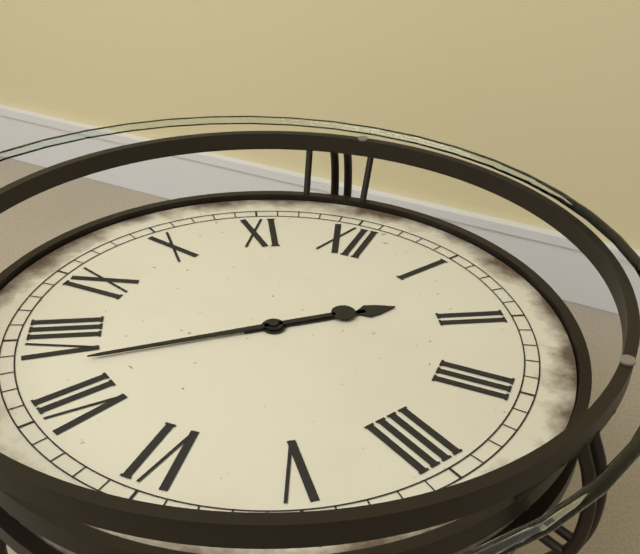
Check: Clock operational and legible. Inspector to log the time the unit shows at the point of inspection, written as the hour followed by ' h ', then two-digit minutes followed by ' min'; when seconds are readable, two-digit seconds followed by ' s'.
1 h 38 min
